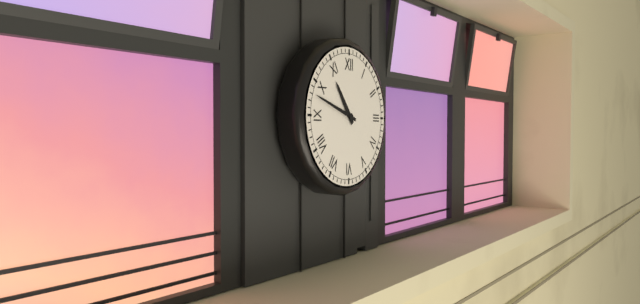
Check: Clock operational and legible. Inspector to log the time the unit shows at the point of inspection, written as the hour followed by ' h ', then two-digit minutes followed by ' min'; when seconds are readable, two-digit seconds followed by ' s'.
10 h 48 min
